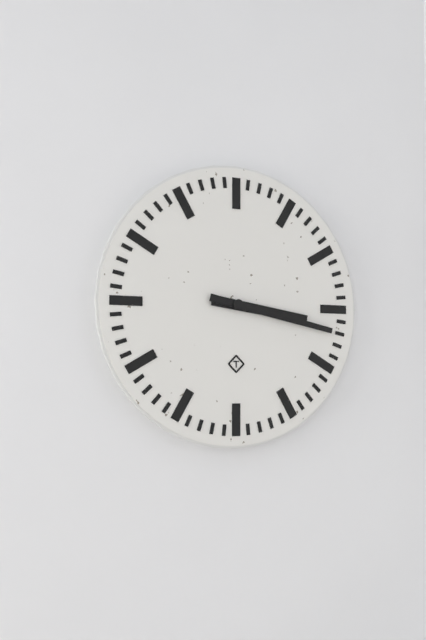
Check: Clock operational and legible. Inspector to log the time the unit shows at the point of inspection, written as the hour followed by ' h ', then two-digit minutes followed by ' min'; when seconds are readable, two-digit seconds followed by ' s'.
3 h 17 min
